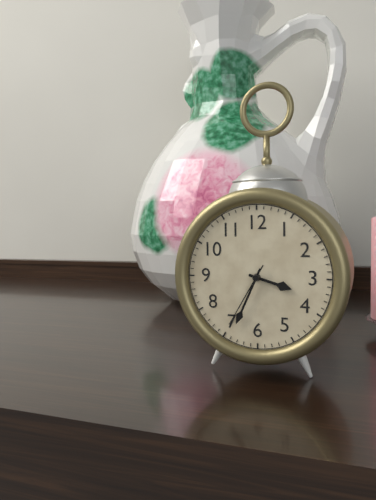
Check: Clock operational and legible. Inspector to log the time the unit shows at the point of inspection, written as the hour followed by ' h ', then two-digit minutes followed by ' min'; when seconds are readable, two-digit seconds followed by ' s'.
3 h 34 min 35 s
